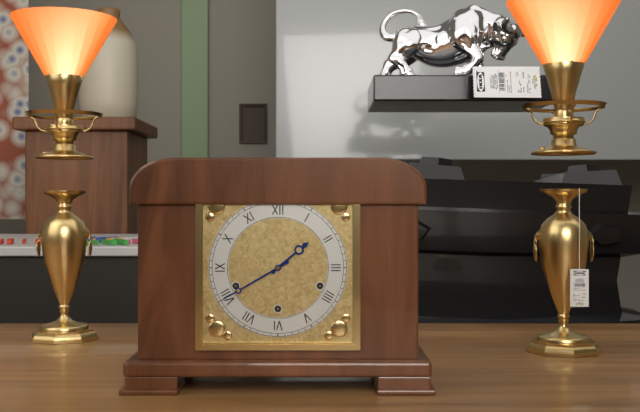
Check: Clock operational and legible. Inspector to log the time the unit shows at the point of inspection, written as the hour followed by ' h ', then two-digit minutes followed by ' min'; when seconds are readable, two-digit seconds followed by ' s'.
1 h 40 min
